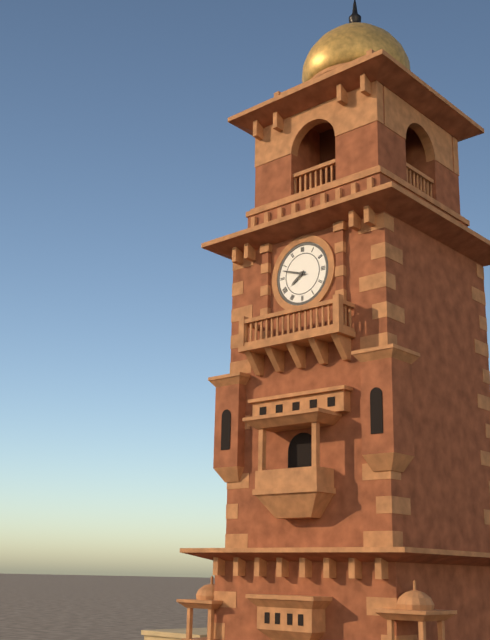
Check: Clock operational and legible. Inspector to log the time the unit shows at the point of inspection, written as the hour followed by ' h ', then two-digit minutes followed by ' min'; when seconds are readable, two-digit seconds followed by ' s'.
7 h 48 min
